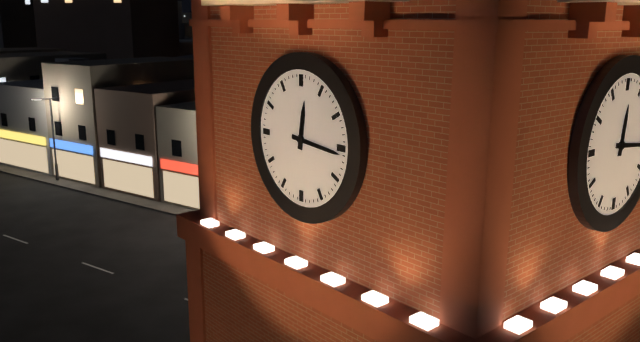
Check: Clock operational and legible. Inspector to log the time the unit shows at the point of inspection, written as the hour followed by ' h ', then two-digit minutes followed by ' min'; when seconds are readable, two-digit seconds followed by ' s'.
12 h 16 min
